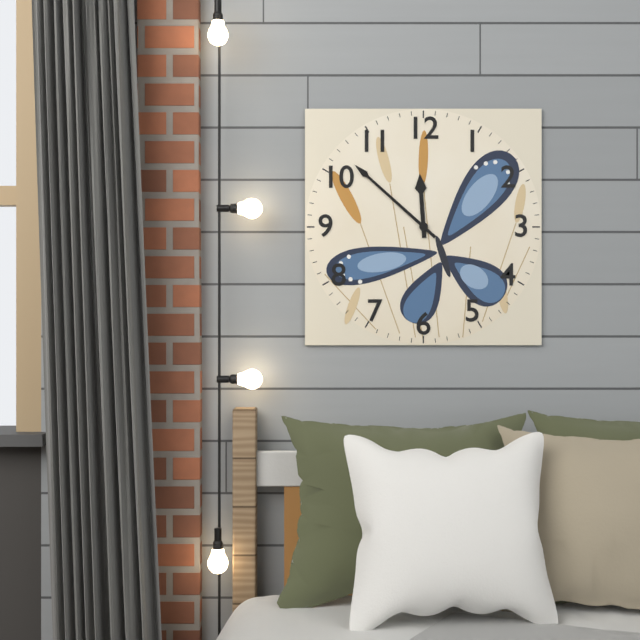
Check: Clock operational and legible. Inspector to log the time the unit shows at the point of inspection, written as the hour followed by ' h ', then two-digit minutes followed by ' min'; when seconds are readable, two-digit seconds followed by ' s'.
11 h 52 min
